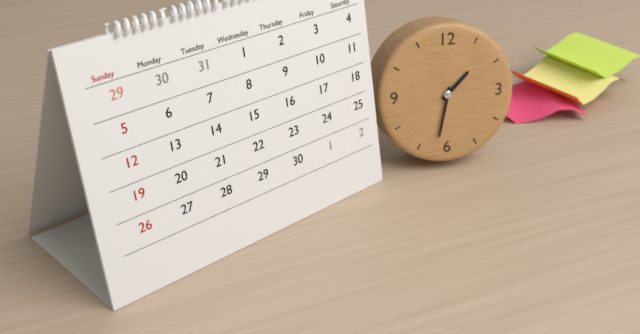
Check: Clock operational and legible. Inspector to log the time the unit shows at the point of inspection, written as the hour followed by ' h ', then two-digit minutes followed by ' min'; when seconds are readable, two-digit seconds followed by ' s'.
1 h 32 min
